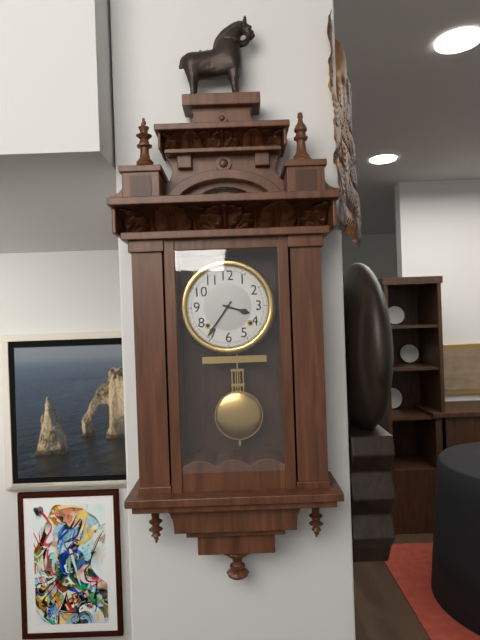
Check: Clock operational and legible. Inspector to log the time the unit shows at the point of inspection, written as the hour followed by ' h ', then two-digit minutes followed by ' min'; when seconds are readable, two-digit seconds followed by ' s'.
3 h 36 min
